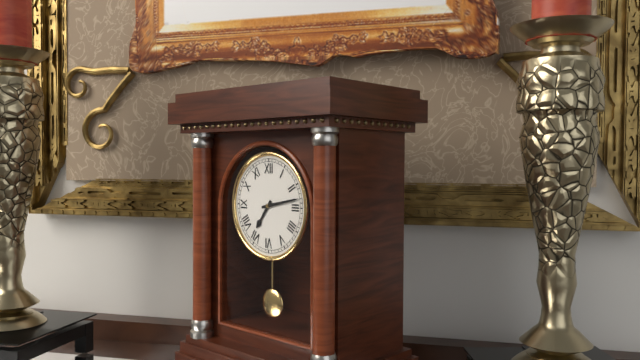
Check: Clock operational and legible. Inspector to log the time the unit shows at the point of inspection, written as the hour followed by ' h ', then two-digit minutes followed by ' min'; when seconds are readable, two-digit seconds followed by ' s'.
7 h 13 min
